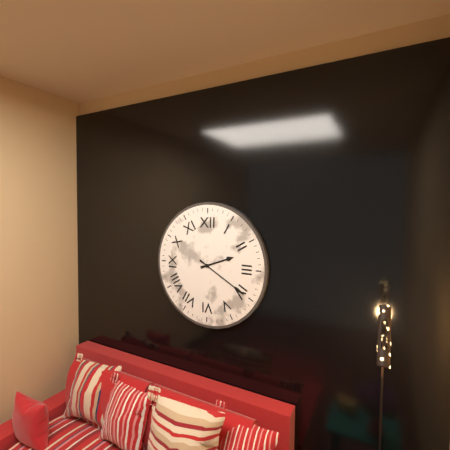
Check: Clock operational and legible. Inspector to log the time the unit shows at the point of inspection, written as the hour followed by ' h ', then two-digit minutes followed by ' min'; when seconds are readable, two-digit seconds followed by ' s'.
2 h 20 min
